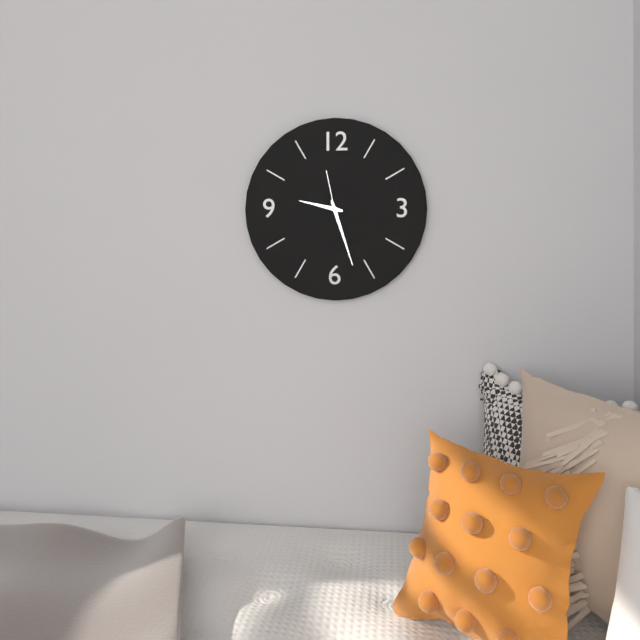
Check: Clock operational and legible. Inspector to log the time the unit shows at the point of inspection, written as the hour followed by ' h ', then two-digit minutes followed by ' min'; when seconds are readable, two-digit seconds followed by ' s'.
9 h 27 min
